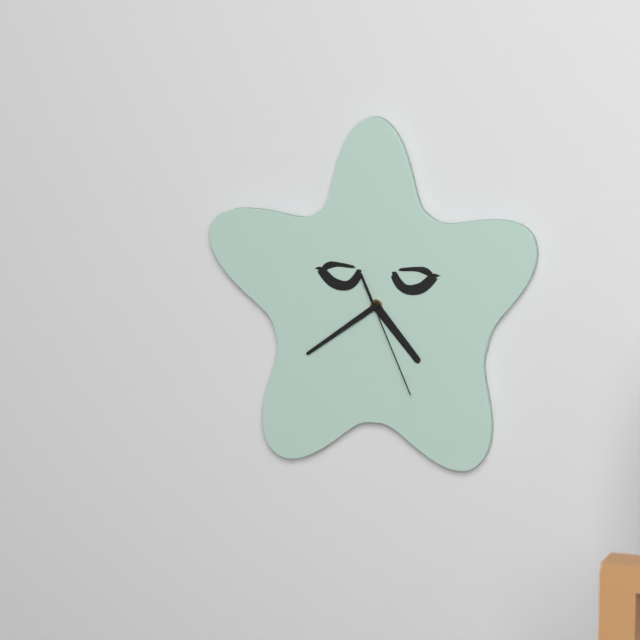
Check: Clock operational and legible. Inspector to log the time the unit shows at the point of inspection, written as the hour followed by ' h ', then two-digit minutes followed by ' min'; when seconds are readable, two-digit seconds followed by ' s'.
4 h 39 min 26 s
